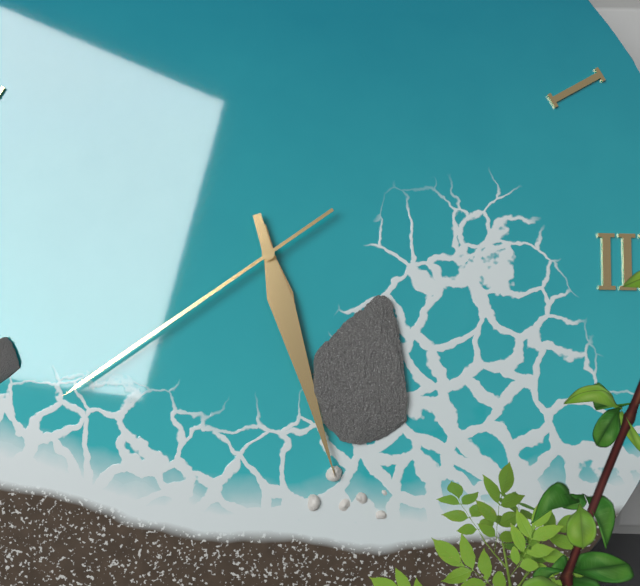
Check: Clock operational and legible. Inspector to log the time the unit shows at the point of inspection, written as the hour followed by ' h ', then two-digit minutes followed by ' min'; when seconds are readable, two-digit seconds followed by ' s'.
5 h 27 min 39 s
